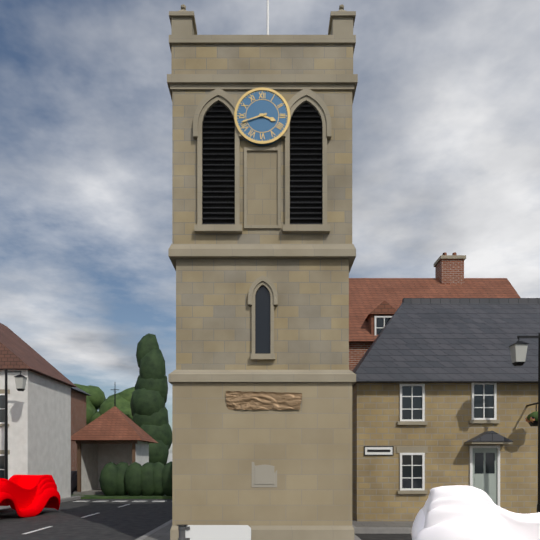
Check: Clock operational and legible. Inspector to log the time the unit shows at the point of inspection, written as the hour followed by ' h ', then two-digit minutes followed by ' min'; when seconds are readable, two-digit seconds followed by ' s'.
3 h 42 min
